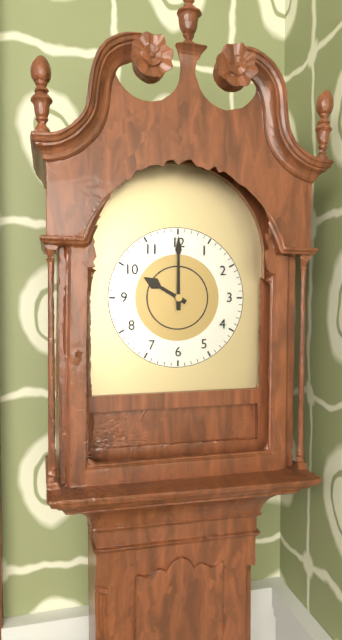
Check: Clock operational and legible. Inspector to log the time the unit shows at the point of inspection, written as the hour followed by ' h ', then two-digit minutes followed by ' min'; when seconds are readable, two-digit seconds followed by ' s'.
10 h 00 min
